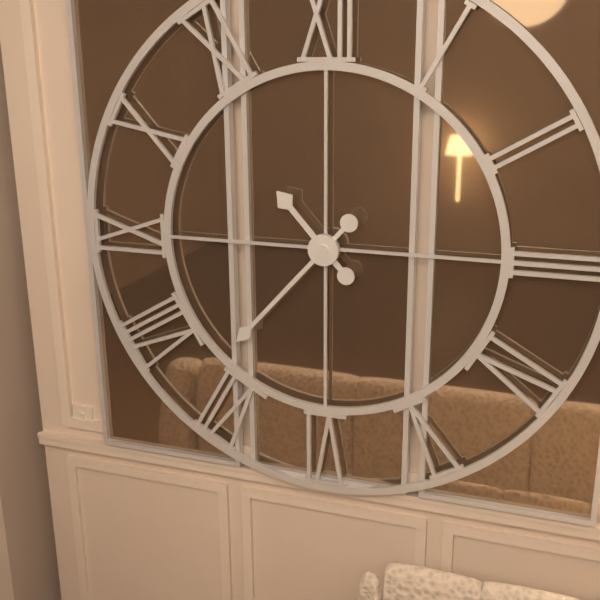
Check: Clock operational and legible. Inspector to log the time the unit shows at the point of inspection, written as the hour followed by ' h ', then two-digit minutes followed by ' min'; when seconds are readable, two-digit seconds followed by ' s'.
10 h 37 min
